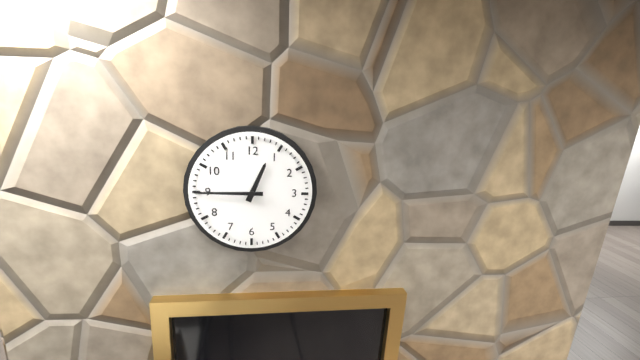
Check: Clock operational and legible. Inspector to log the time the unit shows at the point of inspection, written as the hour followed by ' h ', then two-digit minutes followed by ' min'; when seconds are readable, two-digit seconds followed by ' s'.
12 h 45 min
